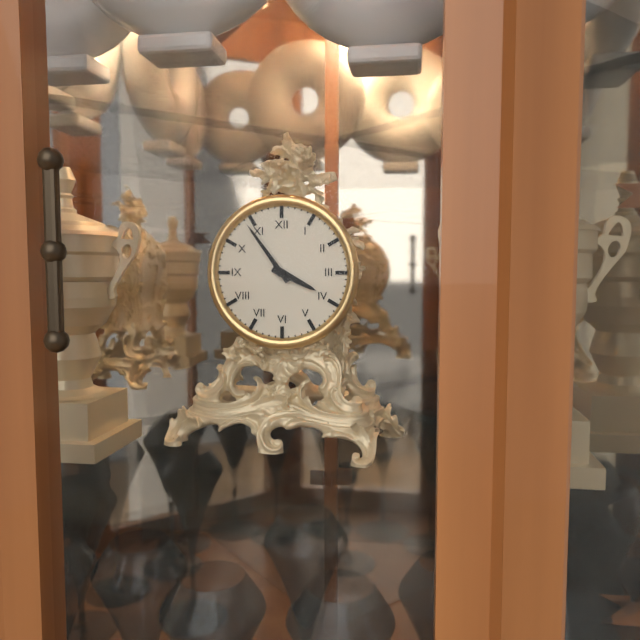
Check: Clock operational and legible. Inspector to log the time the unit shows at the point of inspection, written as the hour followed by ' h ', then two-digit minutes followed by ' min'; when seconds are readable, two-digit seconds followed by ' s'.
3 h 54 min
